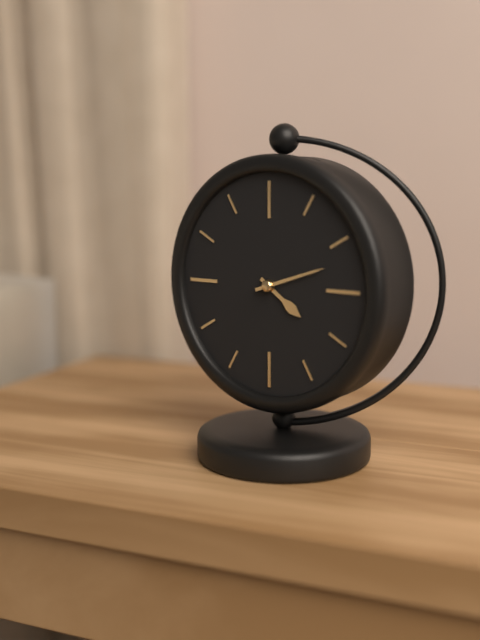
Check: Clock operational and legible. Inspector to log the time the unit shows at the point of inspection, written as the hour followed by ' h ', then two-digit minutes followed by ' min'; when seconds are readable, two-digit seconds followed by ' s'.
4 h 12 min
